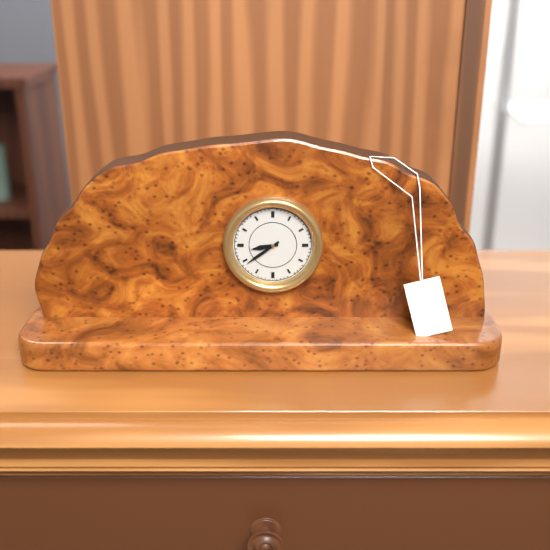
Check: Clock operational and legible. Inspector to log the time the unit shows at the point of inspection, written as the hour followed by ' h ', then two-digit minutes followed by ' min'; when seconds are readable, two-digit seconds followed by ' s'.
8 h 39 min
